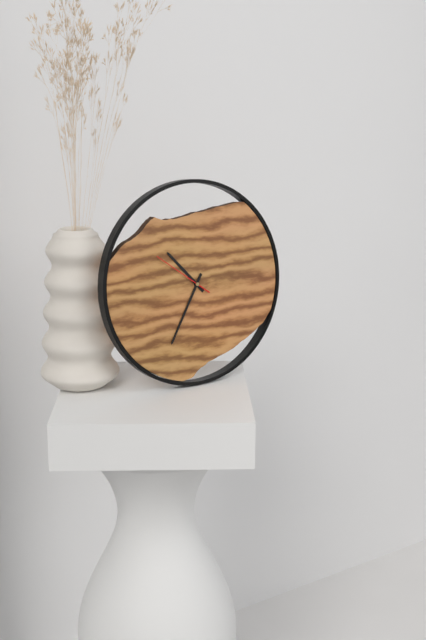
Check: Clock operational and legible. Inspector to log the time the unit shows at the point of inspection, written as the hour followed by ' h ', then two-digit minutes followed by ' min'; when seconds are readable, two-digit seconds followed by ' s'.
10 h 35 min 51 s
